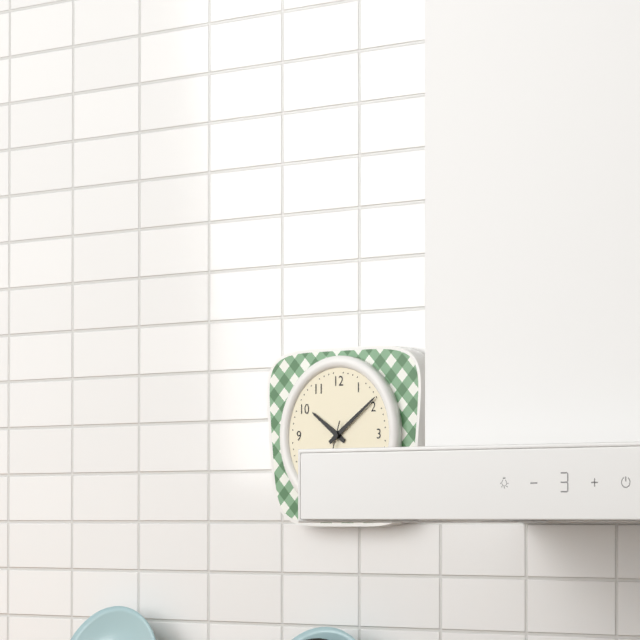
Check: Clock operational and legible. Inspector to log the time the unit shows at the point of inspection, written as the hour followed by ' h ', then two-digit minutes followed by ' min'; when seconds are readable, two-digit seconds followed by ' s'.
10 h 09 min
